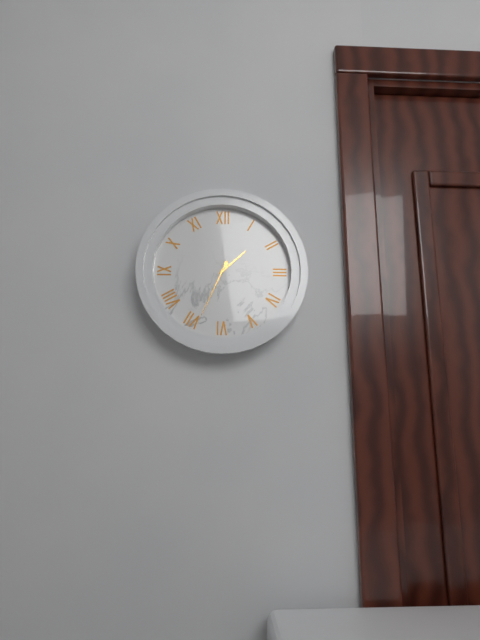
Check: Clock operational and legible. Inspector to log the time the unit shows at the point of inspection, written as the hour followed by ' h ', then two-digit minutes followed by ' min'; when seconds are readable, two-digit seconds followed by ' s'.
1 h 34 min
